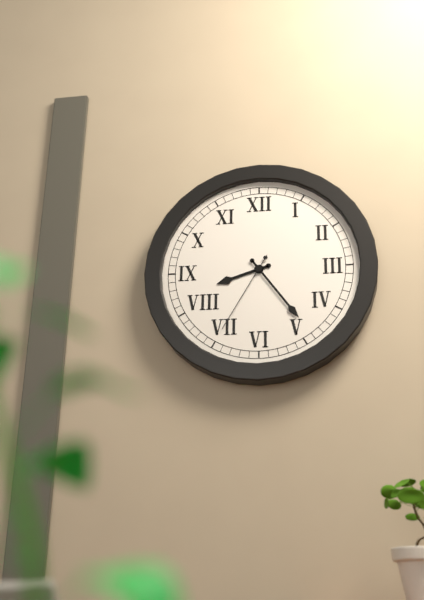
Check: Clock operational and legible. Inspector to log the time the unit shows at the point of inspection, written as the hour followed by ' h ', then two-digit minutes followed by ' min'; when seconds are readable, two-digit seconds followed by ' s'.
8 h 24 min 35 s
